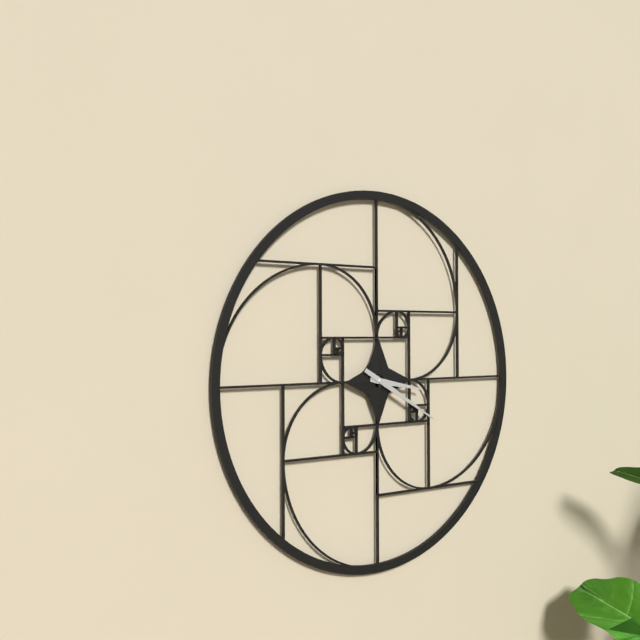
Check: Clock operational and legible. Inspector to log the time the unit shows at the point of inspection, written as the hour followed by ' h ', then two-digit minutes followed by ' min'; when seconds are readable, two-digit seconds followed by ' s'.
3 h 20 min
